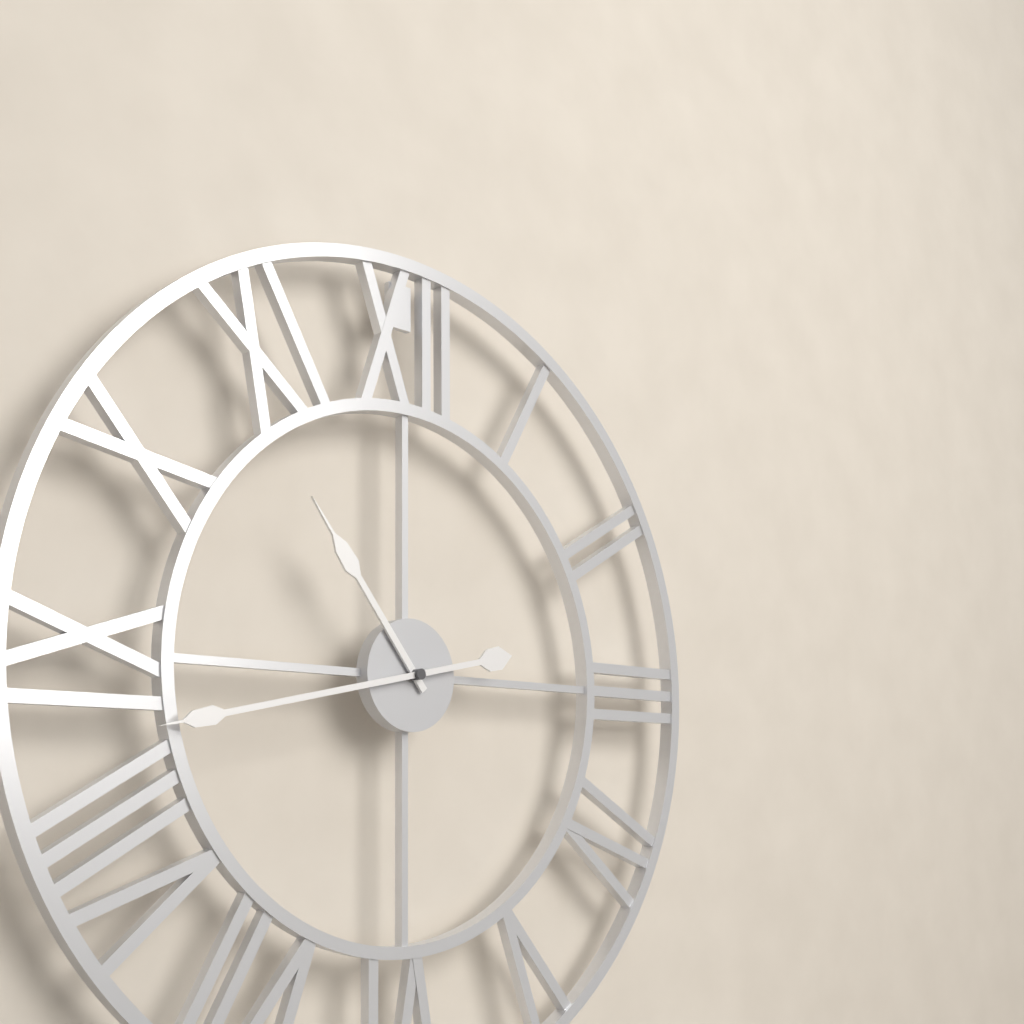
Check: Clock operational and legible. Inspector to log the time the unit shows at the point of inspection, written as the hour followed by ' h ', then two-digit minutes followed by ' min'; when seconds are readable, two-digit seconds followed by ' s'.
10 h 43 min
